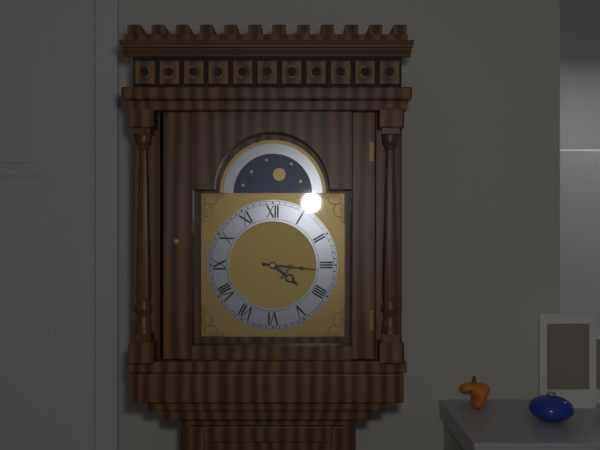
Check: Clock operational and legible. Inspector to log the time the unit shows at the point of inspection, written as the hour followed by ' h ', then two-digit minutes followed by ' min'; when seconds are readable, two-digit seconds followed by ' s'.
4 h 16 min
